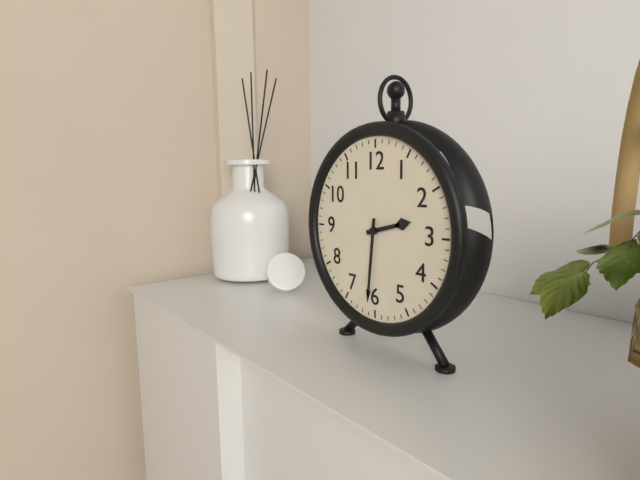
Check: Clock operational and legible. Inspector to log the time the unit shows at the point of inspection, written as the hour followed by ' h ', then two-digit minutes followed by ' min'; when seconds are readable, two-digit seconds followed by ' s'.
2 h 31 min
